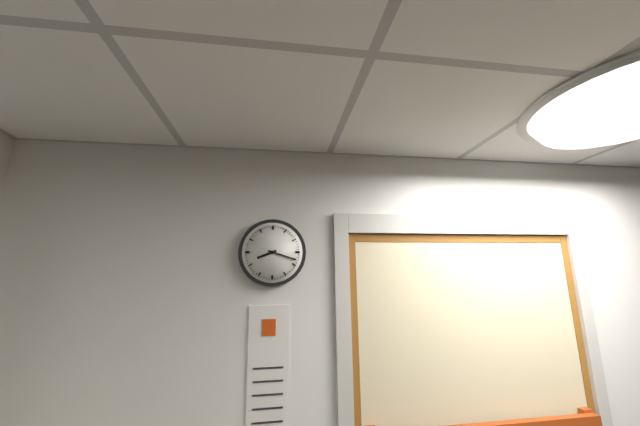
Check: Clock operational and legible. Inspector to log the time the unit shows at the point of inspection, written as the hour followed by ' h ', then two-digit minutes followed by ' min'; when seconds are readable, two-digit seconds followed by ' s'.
8 h 18 min
